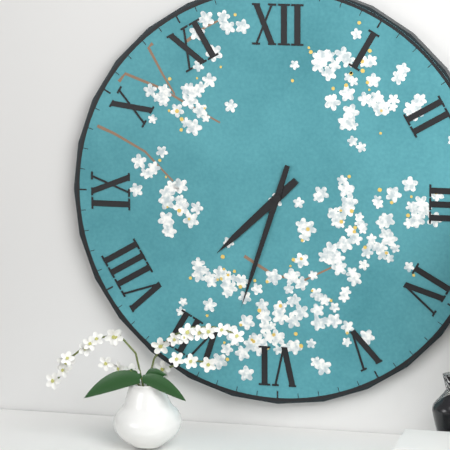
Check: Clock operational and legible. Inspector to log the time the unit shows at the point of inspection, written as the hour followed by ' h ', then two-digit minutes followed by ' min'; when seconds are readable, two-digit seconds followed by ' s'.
7 h 33 min
